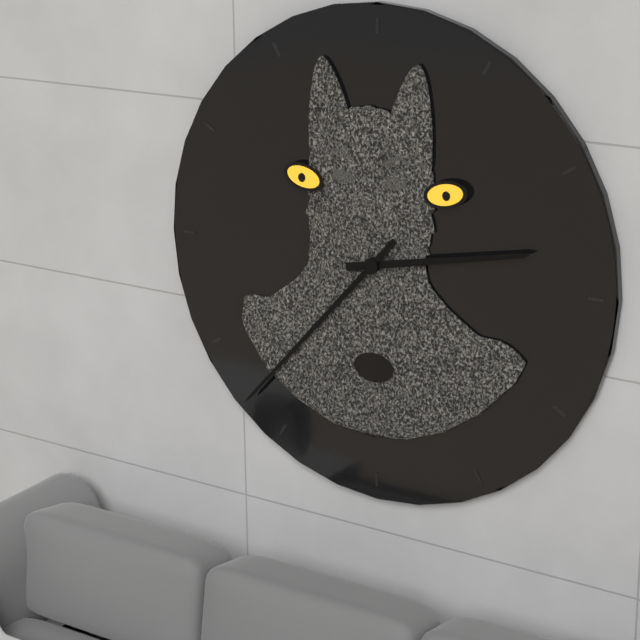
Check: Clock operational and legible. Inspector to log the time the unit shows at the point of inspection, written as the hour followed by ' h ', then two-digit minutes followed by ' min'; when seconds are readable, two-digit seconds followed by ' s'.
2 h 37 min
